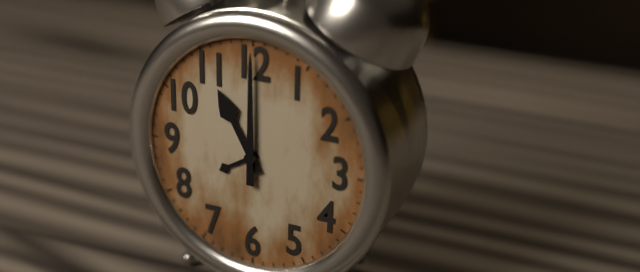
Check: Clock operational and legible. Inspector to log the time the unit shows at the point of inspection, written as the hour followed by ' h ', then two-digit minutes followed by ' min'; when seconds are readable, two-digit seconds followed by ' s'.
11 h 00 min
